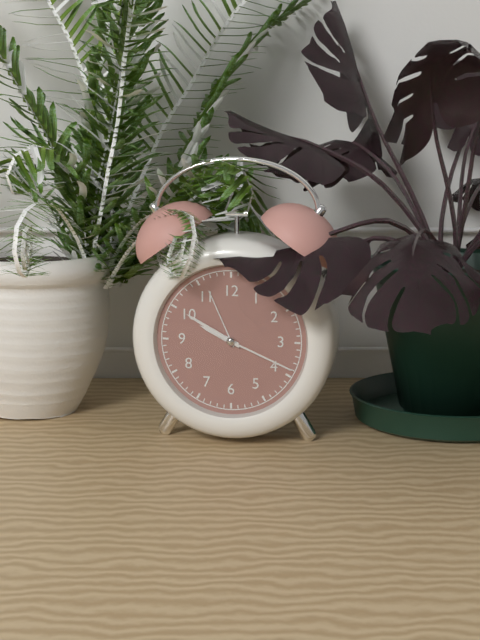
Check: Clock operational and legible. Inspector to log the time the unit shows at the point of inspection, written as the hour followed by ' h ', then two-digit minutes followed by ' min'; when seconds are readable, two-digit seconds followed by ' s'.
9 h 50 min 19 s
